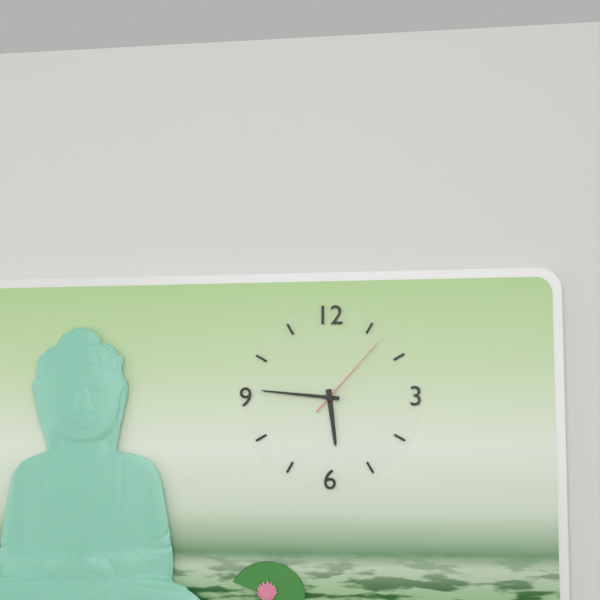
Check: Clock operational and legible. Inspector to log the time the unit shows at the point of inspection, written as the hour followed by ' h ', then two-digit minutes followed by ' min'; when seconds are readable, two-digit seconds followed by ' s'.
5 h 46 min 07 s
